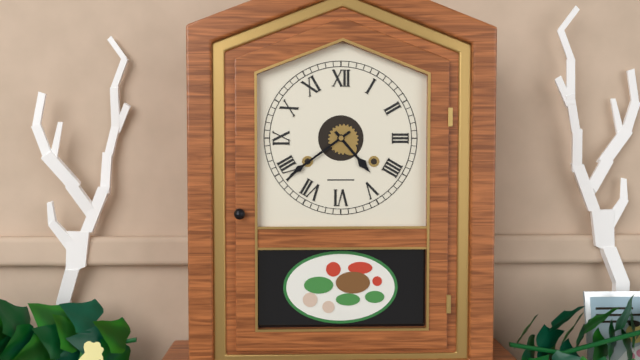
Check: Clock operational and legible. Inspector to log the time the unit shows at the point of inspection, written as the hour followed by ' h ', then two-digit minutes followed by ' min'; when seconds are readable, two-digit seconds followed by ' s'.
4 h 39 min
